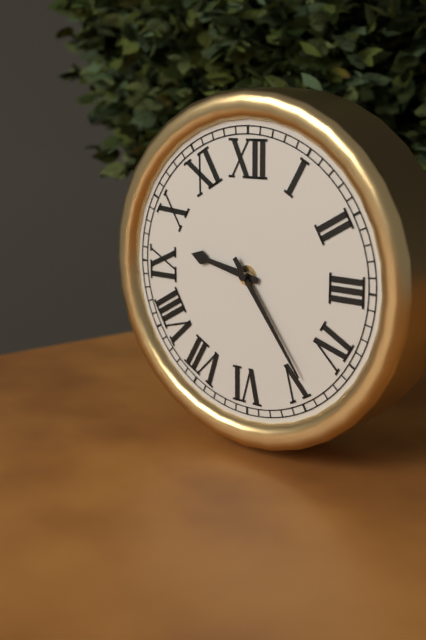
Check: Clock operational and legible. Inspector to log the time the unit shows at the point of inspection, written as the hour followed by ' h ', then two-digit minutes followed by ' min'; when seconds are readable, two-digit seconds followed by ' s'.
9 h 24 min
